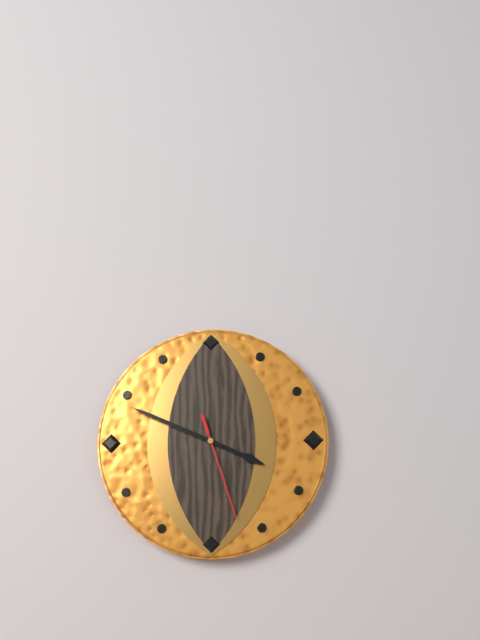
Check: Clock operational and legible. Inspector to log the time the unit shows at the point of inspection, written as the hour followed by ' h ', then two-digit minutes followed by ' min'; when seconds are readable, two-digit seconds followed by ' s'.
3 h 49 min 27 s
